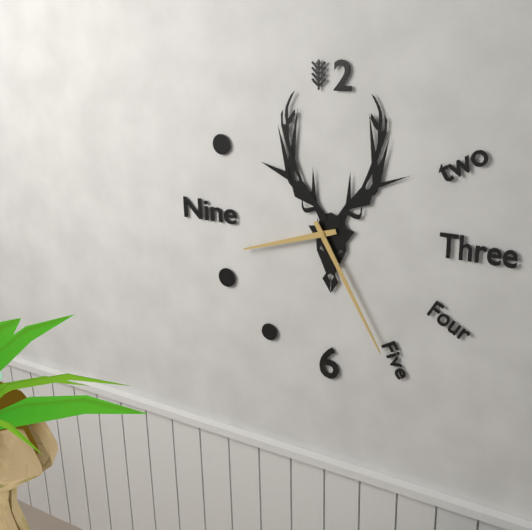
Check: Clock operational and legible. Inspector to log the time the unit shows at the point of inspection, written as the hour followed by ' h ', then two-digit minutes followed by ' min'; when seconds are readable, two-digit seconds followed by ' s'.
8 h 25 min
